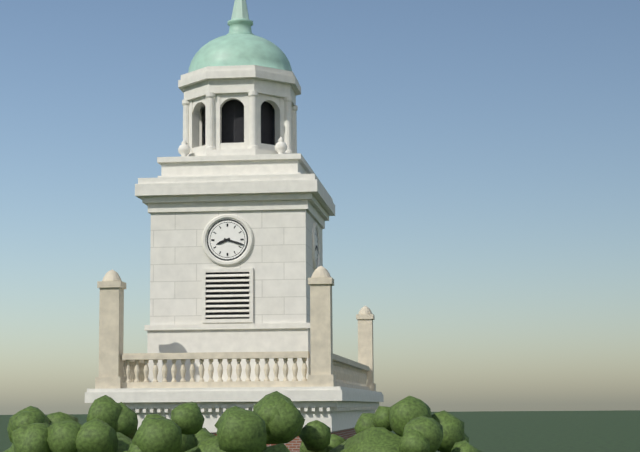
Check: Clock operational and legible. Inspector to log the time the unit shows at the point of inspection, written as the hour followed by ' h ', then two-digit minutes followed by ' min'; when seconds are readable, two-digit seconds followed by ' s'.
8 h 18 min
